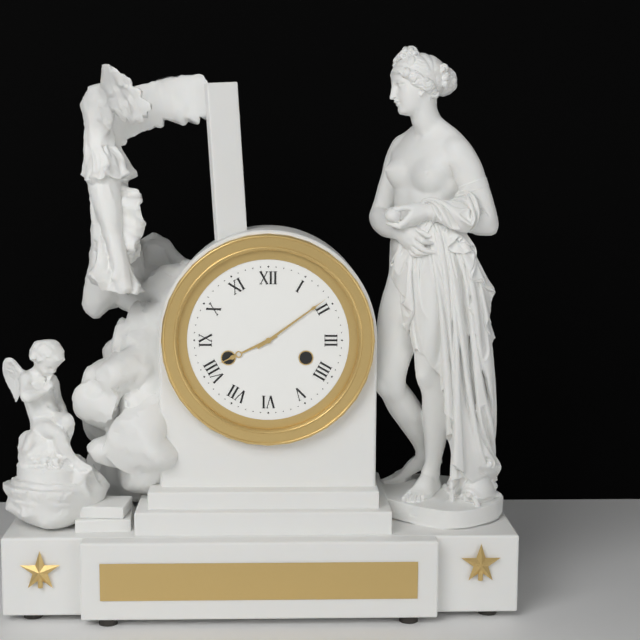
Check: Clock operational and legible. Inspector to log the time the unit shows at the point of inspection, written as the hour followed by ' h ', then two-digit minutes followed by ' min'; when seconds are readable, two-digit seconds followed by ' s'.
8 h 09 min
